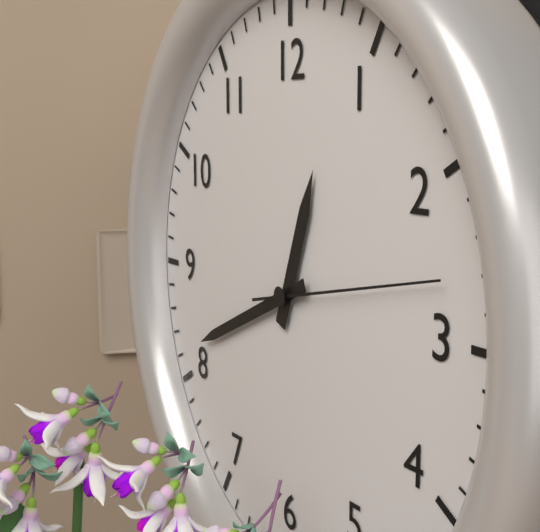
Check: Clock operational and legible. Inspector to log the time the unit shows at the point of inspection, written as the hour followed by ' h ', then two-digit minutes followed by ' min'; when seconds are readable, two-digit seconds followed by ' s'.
12 h 41 min 13 s
